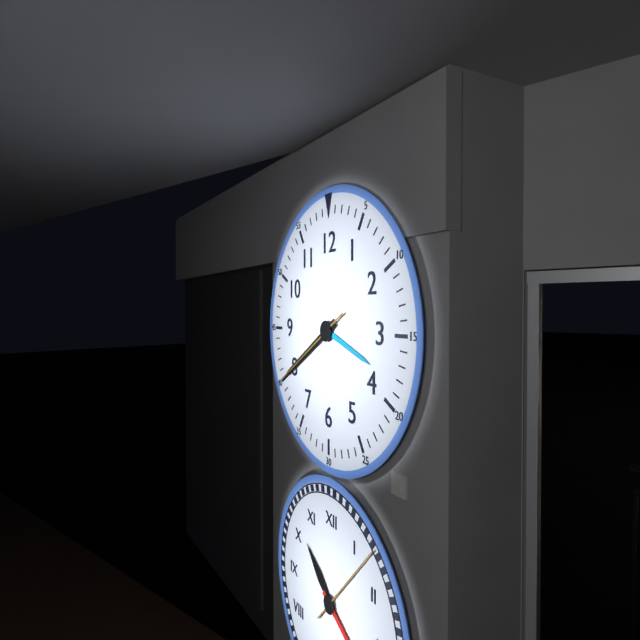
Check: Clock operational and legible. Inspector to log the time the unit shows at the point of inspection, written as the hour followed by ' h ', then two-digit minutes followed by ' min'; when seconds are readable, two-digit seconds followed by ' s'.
3 h 40 min 40 s
